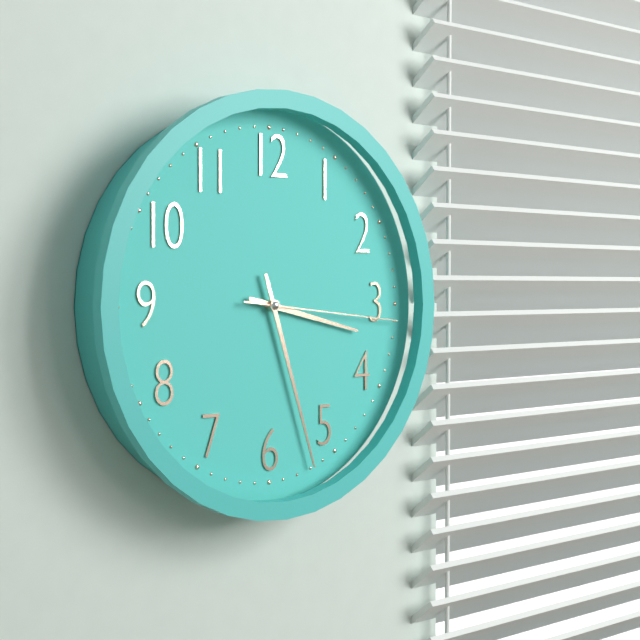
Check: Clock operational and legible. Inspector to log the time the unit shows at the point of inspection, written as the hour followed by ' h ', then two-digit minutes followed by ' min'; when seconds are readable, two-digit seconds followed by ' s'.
3 h 27 min 16 s
